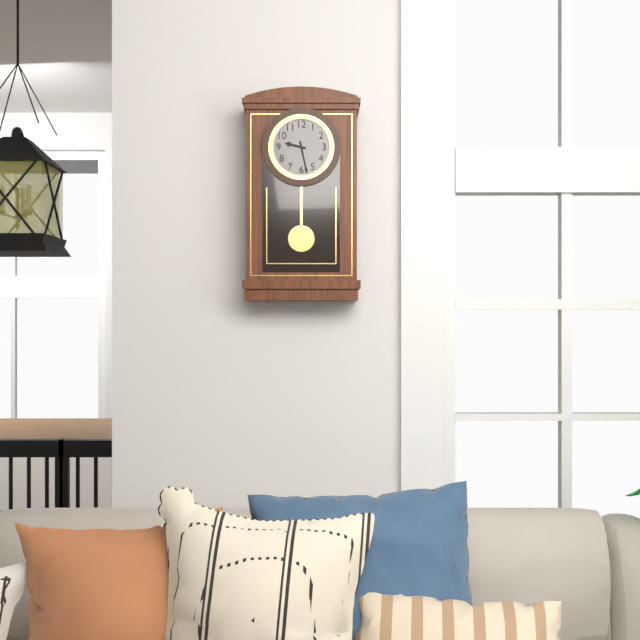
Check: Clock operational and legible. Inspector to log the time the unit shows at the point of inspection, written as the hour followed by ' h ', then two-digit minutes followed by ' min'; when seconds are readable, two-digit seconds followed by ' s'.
9 h 28 min
